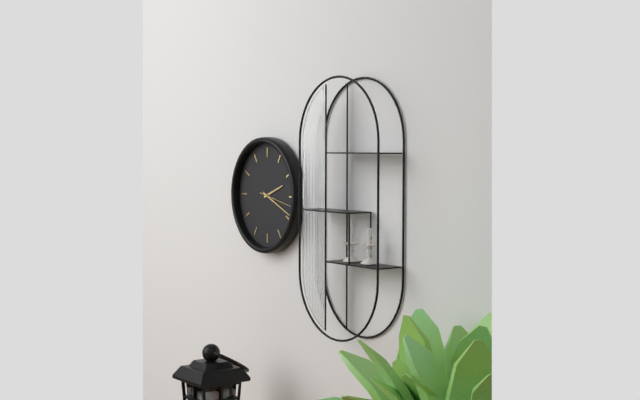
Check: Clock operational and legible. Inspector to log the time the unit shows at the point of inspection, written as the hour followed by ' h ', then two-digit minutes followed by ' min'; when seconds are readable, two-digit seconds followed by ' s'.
2 h 19 min
